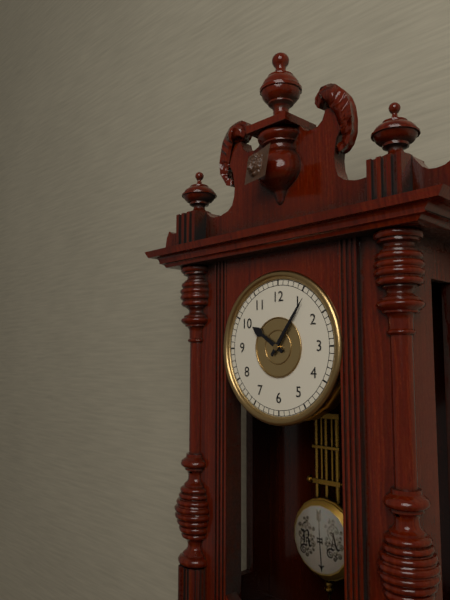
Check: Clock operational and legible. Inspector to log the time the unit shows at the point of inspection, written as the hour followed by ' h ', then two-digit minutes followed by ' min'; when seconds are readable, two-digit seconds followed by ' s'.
10 h 06 min
